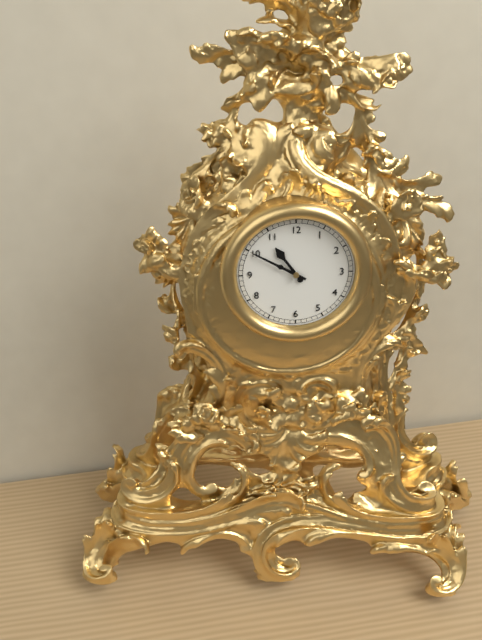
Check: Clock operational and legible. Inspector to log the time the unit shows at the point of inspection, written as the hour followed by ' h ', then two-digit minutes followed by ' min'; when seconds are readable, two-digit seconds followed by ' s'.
10 h 50 min
